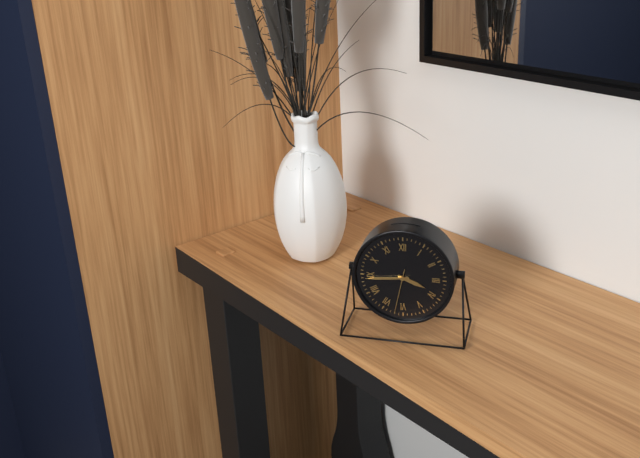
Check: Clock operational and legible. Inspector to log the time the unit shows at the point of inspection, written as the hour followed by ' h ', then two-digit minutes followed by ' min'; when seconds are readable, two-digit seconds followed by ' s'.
3 h 44 min
